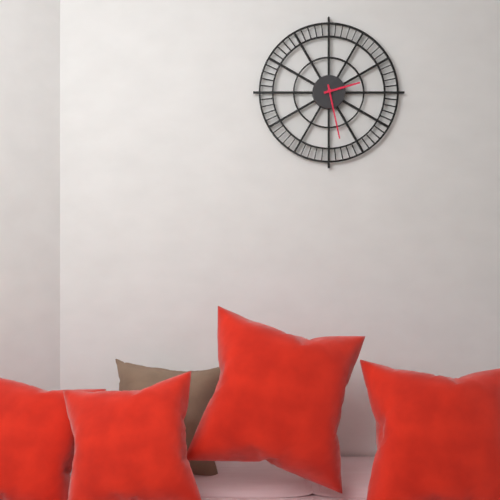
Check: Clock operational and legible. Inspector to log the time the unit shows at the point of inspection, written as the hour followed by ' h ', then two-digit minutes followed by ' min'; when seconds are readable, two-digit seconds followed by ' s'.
2 h 28 min
